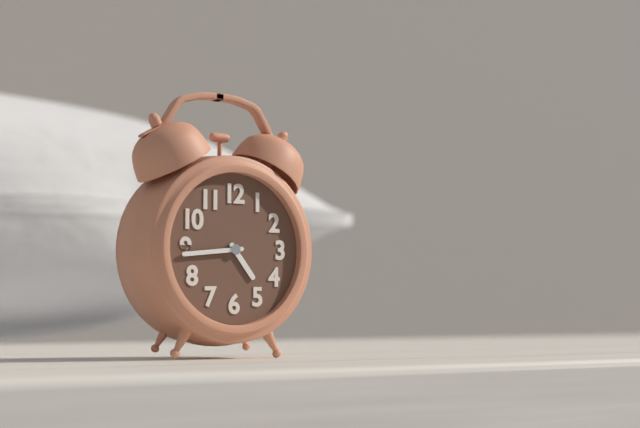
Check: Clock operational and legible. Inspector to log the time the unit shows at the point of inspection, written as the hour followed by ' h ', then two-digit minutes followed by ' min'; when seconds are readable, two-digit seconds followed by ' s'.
4 h 44 min
